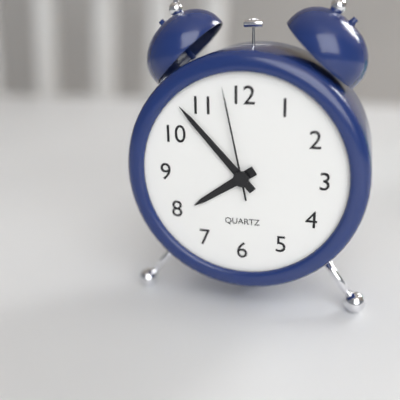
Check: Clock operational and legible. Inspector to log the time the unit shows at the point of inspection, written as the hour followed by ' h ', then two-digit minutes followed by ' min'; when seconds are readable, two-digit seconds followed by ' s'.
7 h 53 min 58 s
